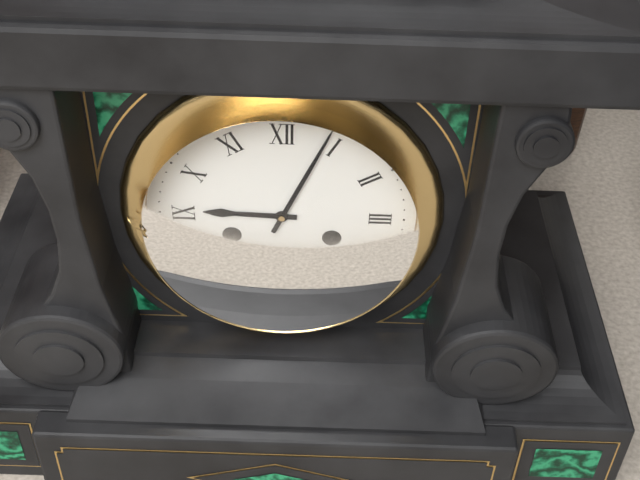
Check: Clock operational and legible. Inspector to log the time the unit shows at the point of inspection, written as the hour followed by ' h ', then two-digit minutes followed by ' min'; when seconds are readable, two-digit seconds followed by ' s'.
9 h 04 min
